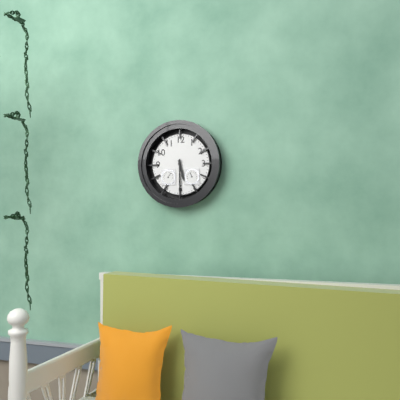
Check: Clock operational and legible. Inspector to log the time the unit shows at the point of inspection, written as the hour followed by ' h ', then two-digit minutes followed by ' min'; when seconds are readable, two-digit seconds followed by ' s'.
5 h 30 min
